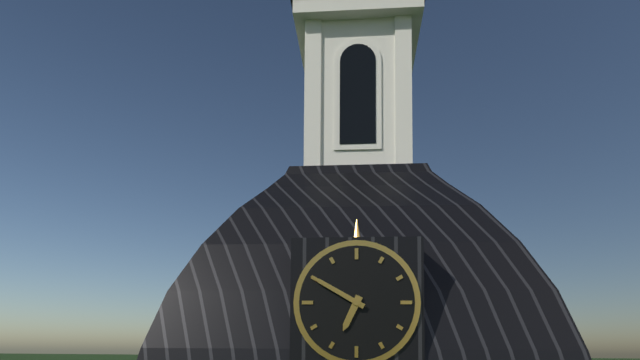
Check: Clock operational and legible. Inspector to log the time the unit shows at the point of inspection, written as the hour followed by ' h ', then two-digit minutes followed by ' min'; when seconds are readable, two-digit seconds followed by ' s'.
6 h 50 min
